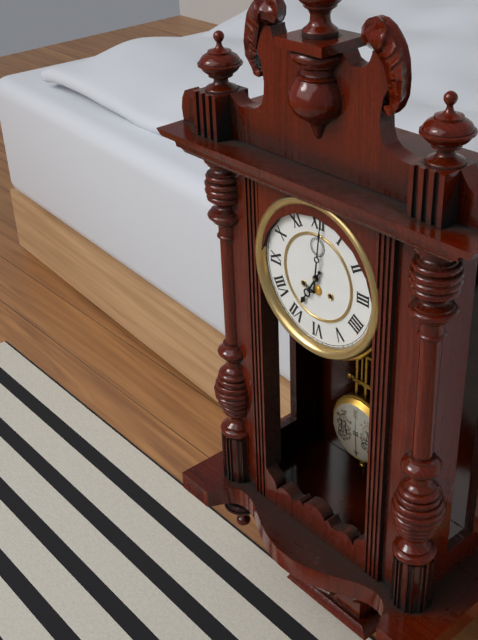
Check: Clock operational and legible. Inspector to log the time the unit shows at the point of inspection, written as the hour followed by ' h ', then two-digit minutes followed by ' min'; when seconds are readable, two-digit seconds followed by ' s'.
7 h 01 min
